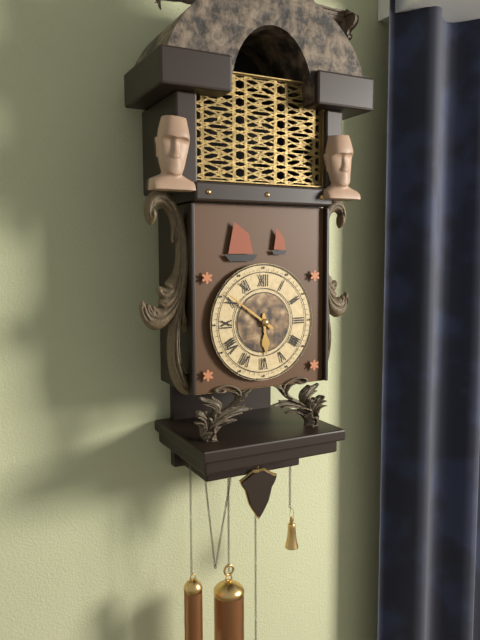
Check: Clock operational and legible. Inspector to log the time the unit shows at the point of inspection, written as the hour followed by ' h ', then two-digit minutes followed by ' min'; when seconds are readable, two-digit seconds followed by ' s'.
5 h 51 min
